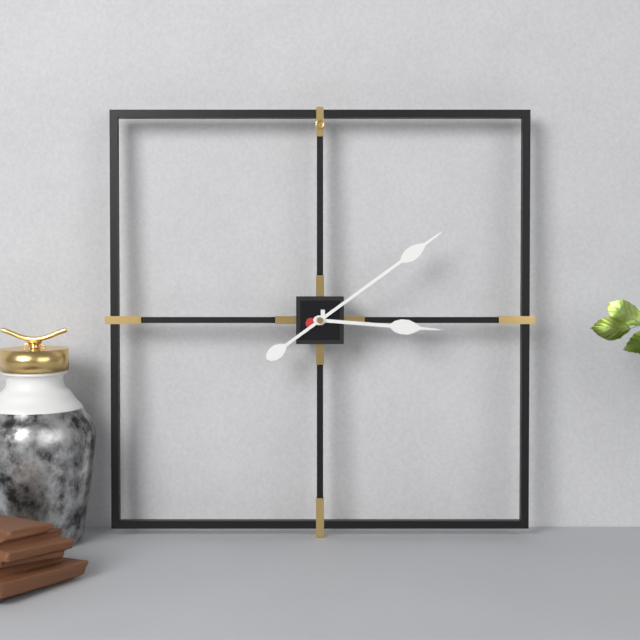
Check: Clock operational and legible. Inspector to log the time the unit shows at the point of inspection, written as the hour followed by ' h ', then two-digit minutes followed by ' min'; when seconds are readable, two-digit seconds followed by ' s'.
3 h 09 min
